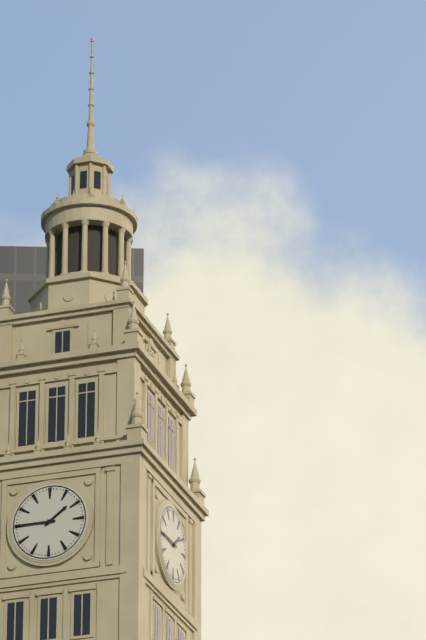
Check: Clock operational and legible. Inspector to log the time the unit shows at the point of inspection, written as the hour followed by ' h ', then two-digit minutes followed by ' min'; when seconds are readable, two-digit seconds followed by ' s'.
1 h 45 min
